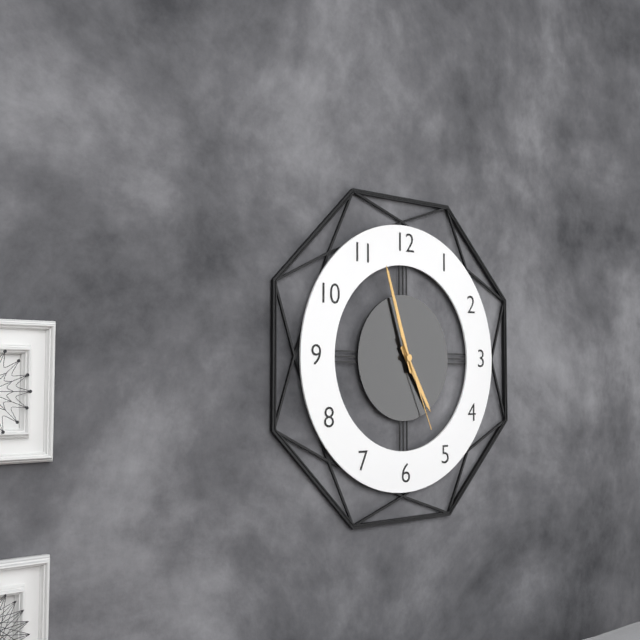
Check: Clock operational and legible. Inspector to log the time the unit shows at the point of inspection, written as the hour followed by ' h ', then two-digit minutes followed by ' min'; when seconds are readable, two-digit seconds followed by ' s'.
4 h 57 min 26 s
